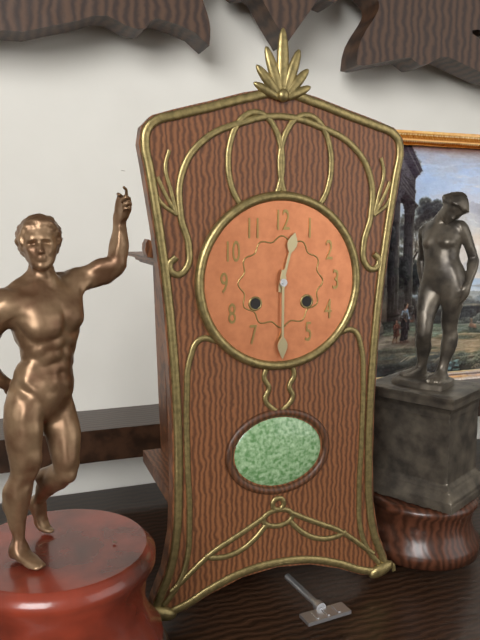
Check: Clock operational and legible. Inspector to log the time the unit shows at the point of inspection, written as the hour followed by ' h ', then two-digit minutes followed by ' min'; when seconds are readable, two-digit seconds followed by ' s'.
12 h 30 min
